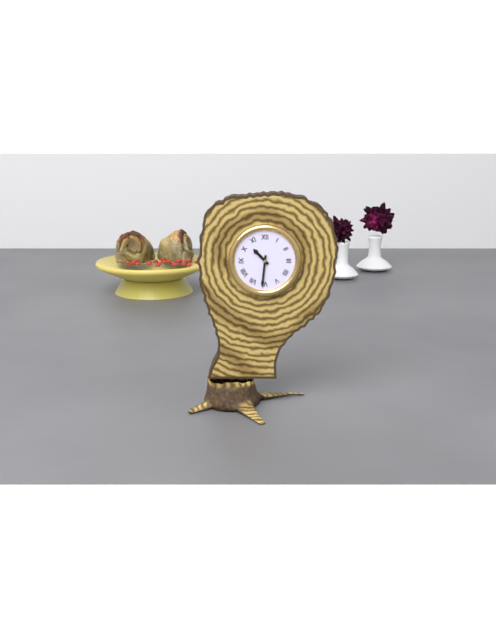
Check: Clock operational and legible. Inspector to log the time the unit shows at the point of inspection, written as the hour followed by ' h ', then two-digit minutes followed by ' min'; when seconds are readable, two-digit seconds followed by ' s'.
10 h 31 min
